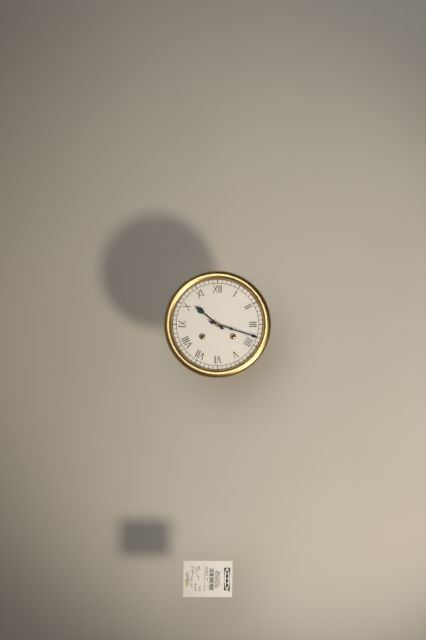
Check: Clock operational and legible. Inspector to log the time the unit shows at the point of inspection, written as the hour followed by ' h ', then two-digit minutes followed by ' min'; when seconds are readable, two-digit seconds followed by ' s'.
10 h 18 min
